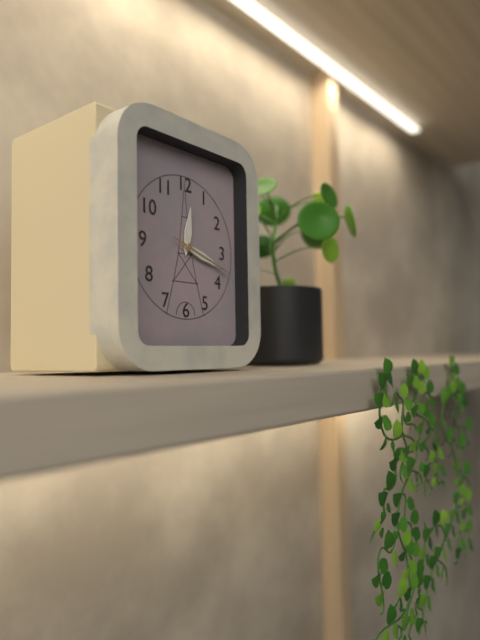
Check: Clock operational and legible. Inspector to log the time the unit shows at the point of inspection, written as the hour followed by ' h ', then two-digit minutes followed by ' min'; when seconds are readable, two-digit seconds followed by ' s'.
12 h 18 min 18 s
